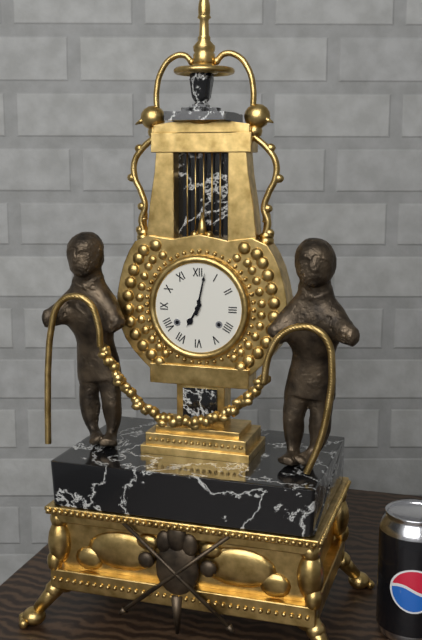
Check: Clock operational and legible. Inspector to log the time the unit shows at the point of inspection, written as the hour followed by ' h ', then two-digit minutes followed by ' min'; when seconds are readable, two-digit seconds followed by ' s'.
7 h 02 min
